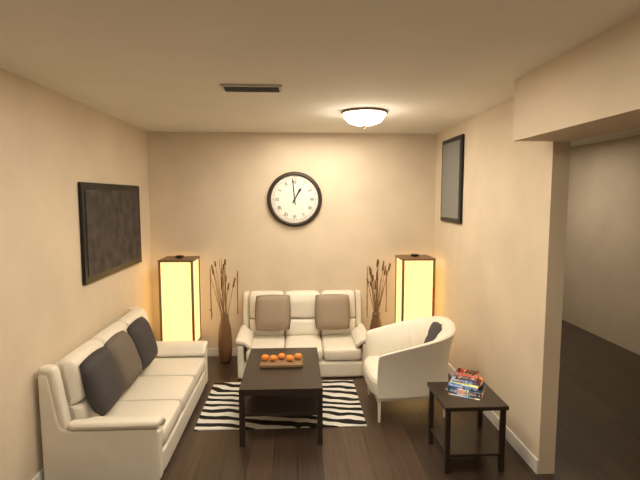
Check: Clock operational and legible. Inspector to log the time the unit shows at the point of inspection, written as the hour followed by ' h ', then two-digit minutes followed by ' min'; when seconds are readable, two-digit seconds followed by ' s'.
12 h 59 min
